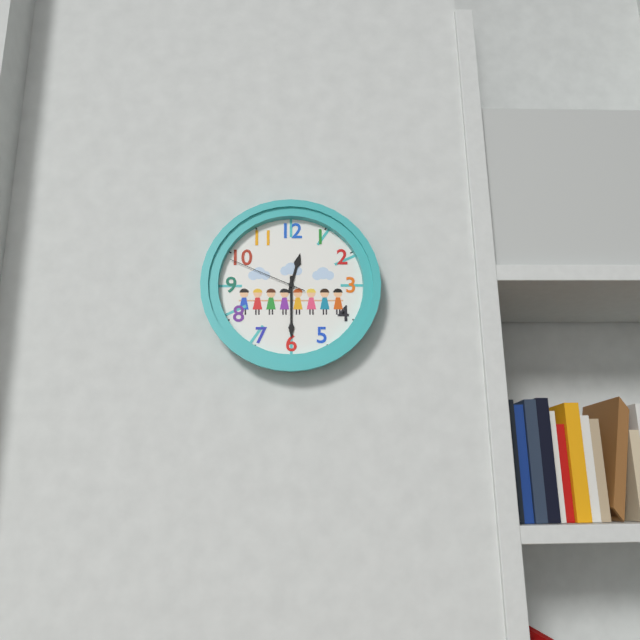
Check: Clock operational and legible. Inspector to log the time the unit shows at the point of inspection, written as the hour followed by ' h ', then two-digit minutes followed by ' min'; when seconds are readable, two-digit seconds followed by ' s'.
12 h 30 min 49 s
